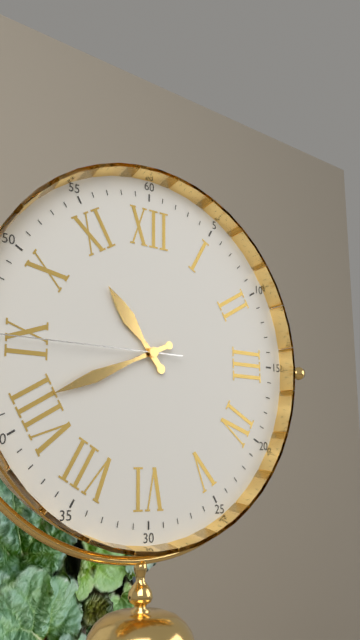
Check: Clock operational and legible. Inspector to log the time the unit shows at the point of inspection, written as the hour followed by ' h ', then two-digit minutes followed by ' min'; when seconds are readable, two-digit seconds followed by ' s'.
10 h 41 min
